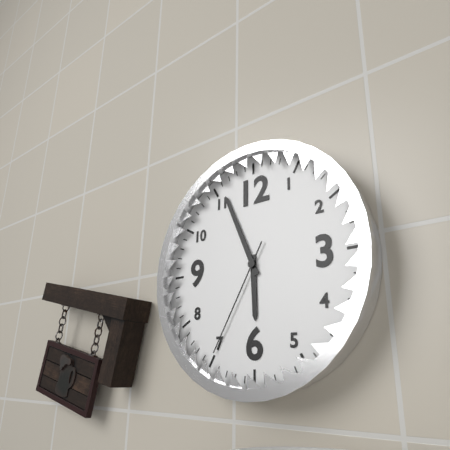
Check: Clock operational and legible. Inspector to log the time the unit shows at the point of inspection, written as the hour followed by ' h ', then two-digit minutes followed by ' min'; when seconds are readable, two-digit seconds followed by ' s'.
5 h 56 min 35 s
